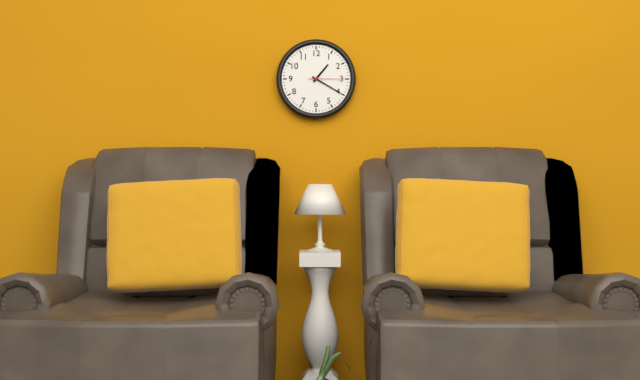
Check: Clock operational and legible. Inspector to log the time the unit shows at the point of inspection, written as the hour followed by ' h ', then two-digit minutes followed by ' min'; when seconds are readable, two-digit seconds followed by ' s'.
1 h 20 min
